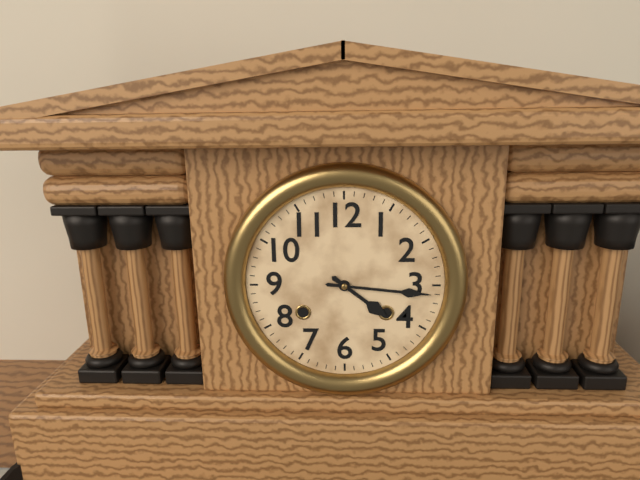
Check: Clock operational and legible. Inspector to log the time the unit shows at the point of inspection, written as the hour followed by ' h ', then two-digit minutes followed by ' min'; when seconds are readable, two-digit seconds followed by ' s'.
4 h 16 min
